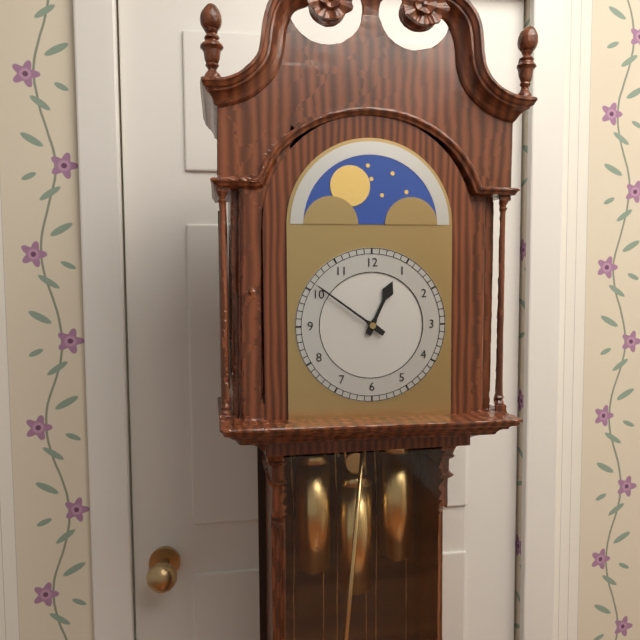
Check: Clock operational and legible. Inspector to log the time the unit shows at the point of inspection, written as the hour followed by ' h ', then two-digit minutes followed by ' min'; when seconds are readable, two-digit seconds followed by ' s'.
12 h 51 min
